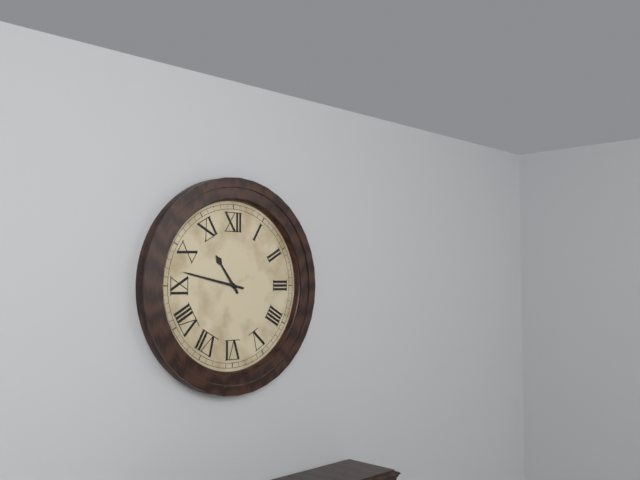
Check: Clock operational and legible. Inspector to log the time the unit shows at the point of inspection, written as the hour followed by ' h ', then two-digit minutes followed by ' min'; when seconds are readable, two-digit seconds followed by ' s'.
10 h 47 min
